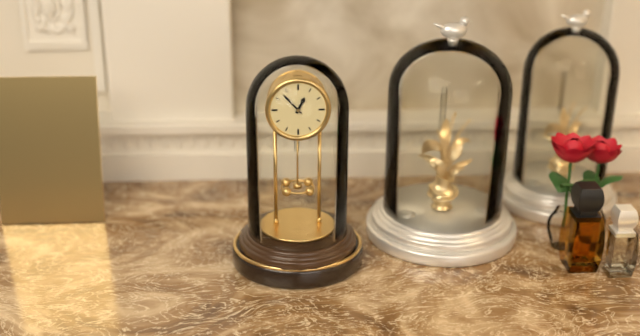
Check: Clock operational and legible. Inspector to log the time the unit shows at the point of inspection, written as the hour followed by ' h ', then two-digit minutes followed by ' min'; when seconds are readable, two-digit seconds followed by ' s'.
12 h 53 min
